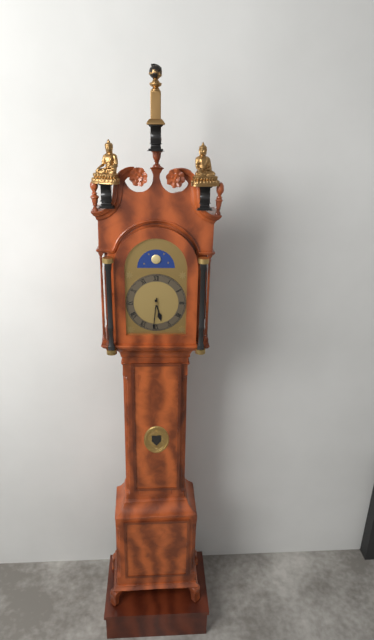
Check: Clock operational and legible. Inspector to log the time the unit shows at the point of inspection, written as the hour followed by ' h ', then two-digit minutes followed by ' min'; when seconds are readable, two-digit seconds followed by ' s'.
5 h 31 min
